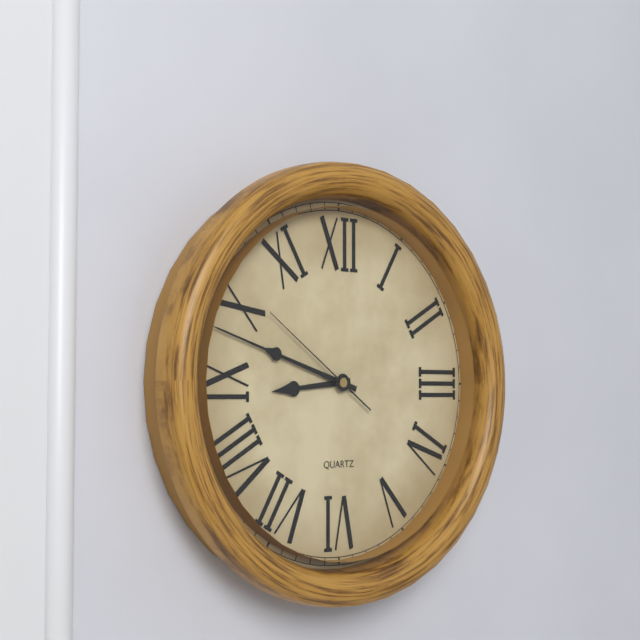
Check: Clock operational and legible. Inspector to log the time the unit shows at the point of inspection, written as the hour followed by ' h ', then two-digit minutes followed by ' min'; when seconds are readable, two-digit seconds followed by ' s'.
8 h 48 min 51 s
